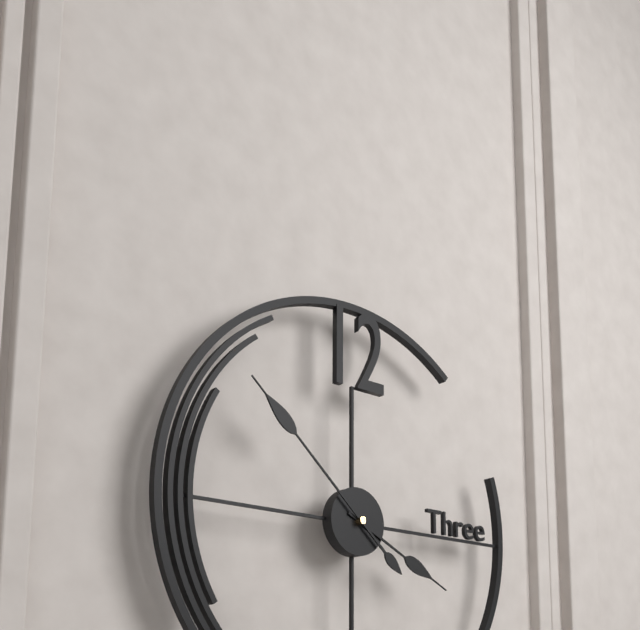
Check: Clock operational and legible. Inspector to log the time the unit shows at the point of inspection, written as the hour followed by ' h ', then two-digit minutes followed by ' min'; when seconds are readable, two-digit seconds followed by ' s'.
3 h 52 min
